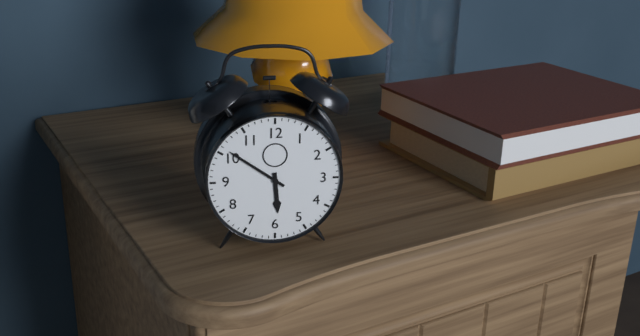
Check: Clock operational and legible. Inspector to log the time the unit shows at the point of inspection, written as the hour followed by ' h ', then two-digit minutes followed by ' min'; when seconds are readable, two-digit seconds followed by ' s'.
5 h 51 min
